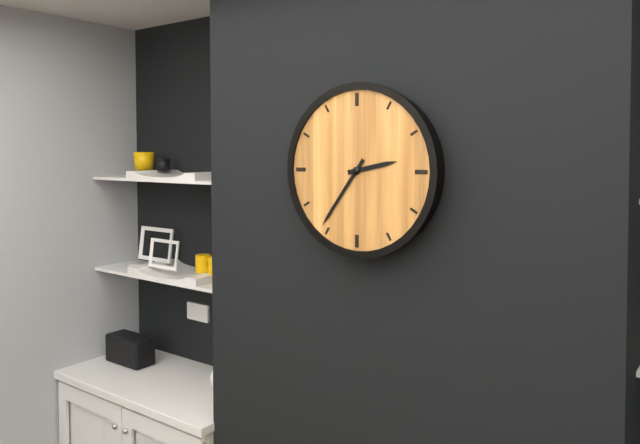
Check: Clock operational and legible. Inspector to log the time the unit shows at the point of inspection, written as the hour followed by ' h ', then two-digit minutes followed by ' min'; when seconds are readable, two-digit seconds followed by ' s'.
2 h 36 min
